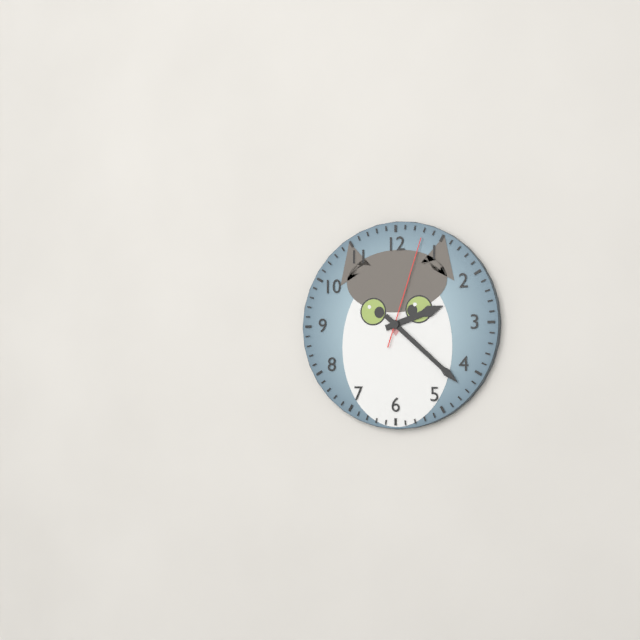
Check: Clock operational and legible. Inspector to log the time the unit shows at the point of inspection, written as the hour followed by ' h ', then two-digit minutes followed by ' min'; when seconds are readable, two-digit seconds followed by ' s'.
2 h 22 min 03 s
